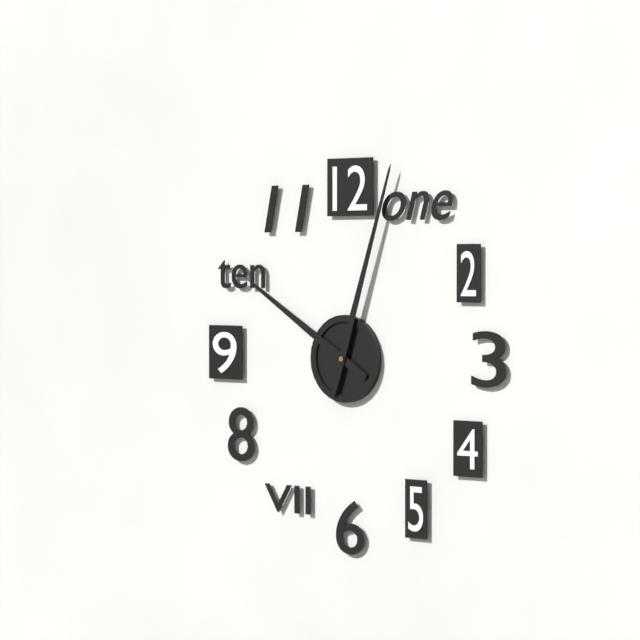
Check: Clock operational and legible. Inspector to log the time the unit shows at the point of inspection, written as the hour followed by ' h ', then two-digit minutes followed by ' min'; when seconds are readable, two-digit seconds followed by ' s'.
10 h 03 min
